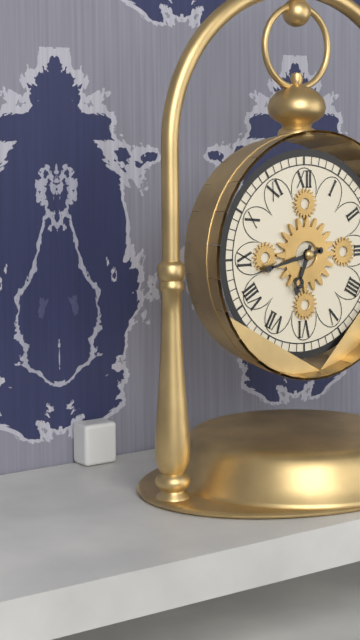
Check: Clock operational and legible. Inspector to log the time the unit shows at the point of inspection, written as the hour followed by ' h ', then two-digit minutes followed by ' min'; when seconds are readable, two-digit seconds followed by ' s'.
6 h 43 min
